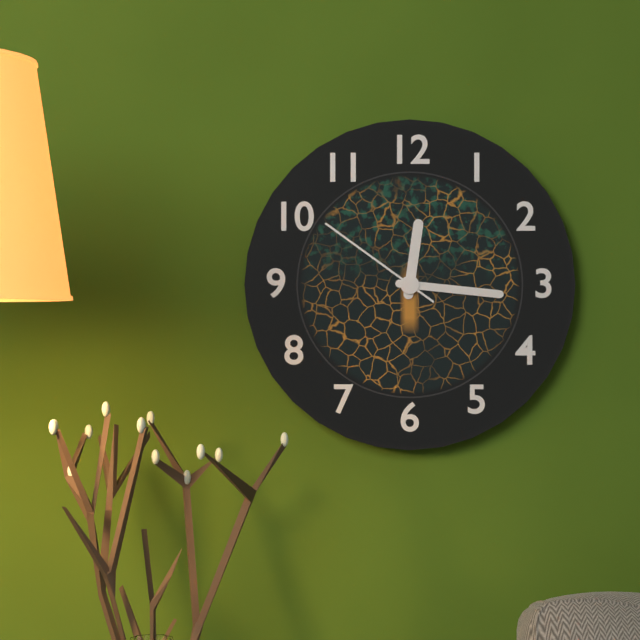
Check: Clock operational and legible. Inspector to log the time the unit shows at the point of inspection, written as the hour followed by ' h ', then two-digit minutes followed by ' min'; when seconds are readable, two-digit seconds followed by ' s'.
12 h 16 min 51 s
